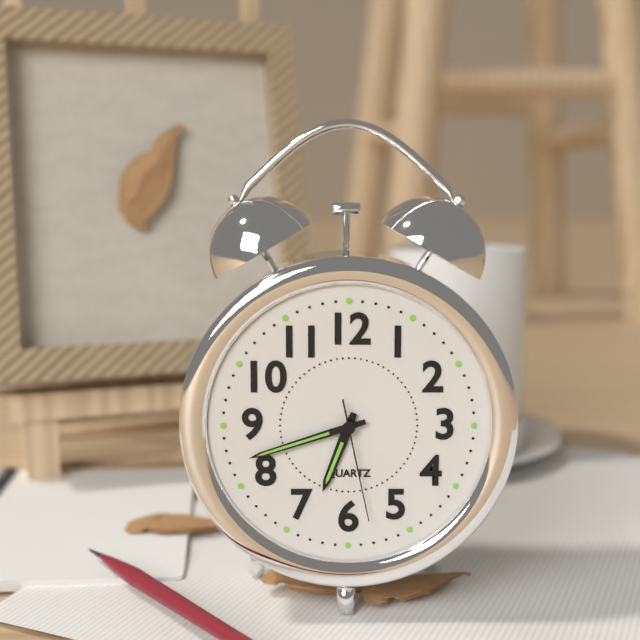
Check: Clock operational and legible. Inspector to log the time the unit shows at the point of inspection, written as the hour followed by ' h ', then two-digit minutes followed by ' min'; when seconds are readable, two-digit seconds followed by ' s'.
6 h 42 min 28 s
